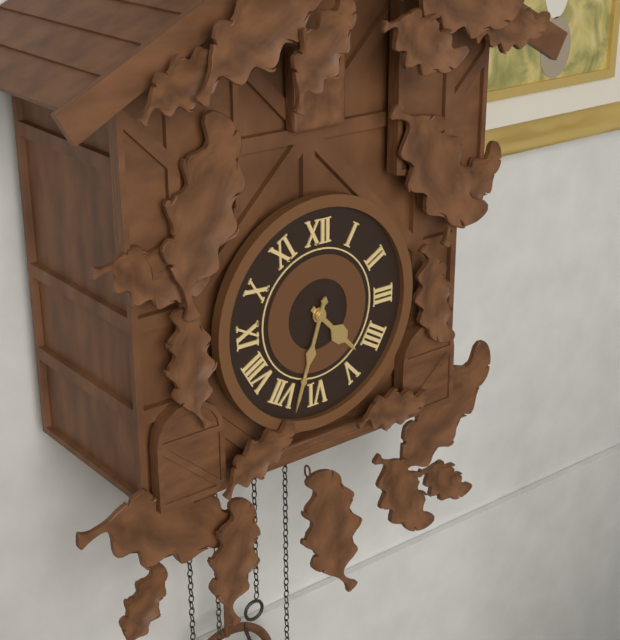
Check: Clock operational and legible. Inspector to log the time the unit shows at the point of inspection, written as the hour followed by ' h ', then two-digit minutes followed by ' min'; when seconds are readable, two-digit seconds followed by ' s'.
4 h 33 min
